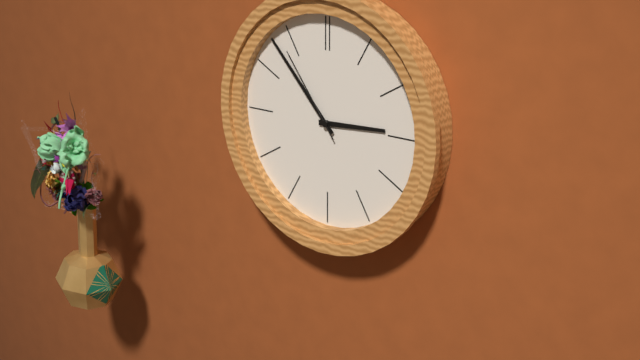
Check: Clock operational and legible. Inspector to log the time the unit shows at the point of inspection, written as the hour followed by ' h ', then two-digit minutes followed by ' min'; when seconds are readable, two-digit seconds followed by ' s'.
2 h 53 min 54 s
